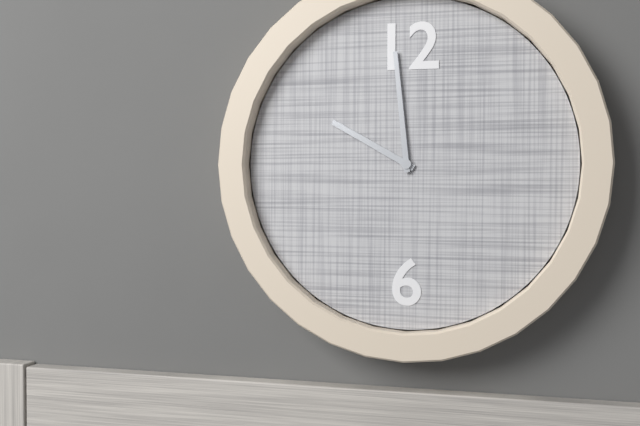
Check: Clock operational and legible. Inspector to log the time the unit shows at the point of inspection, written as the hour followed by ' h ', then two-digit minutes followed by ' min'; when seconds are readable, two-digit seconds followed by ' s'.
9 h 59 min
